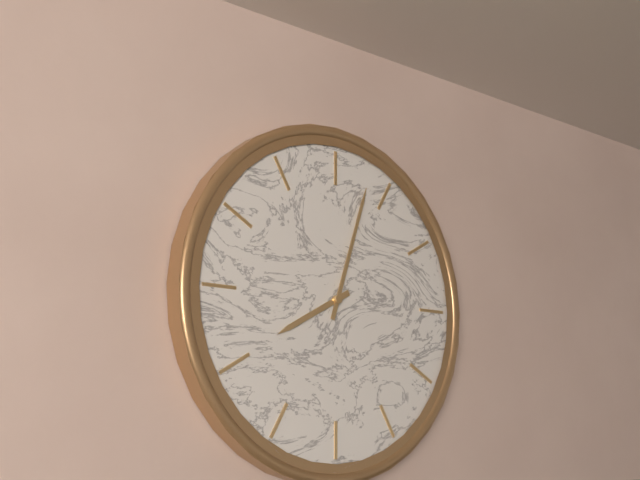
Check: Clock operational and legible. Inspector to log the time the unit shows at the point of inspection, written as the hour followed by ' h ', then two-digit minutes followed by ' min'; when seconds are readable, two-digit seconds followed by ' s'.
8 h 03 min
